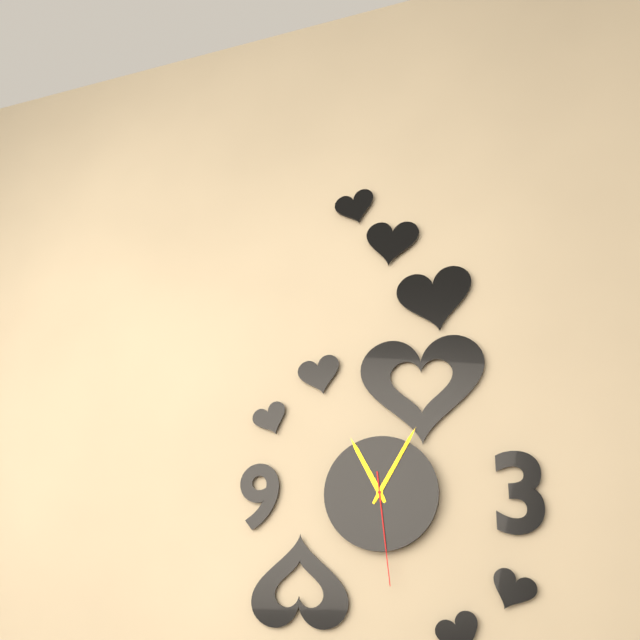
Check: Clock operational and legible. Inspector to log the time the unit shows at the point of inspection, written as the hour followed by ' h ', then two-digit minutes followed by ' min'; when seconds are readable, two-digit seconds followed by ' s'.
11 h 05 min 29 s
